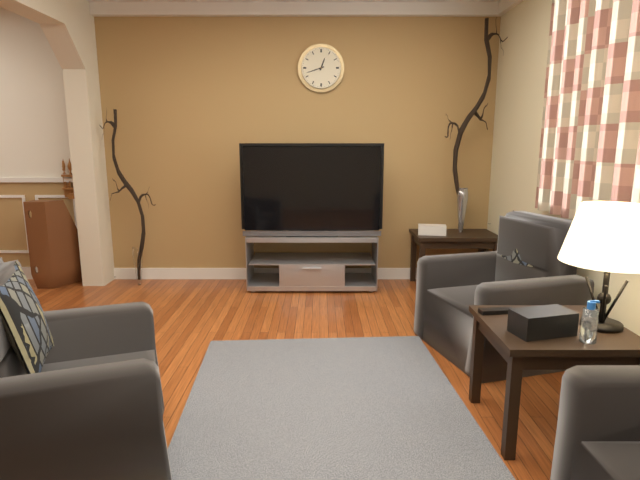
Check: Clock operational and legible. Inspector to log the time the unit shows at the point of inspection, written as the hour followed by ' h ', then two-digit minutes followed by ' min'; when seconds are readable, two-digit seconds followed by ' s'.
12 h 42 min
